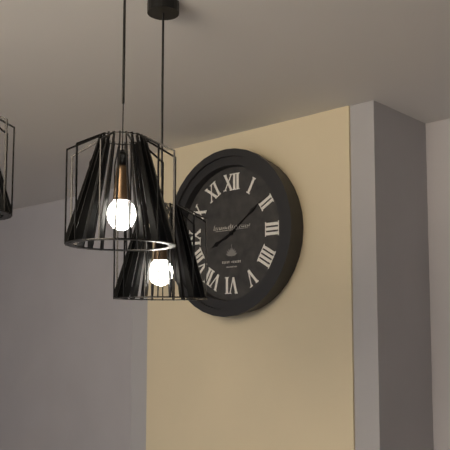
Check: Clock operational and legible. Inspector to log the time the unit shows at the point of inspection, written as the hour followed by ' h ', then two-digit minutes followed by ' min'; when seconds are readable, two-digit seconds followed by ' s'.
8 h 09 min
